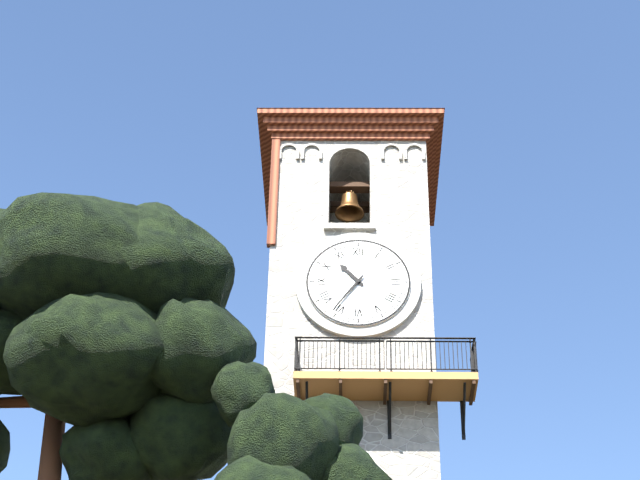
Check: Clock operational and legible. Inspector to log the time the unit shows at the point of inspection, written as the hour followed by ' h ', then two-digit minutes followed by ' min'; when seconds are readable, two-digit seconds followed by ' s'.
10 h 36 min
